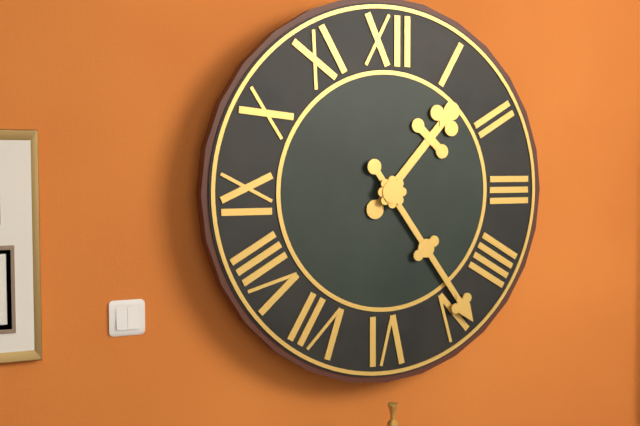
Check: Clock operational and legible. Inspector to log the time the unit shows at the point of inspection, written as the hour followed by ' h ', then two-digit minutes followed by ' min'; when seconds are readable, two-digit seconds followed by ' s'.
1 h 24 min
